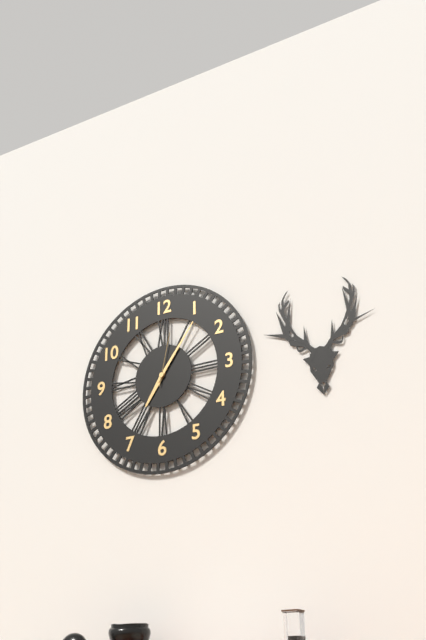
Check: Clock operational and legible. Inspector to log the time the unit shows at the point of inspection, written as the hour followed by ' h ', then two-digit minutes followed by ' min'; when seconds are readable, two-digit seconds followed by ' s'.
7 h 06 min 02 s
